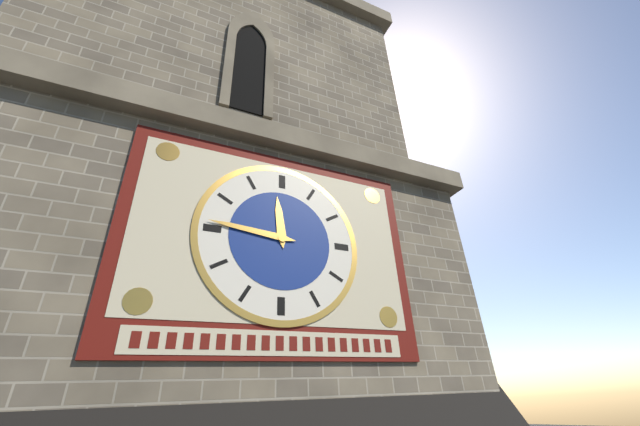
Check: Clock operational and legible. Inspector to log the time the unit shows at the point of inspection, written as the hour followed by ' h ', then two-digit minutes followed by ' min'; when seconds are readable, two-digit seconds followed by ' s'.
11 h 46 min
